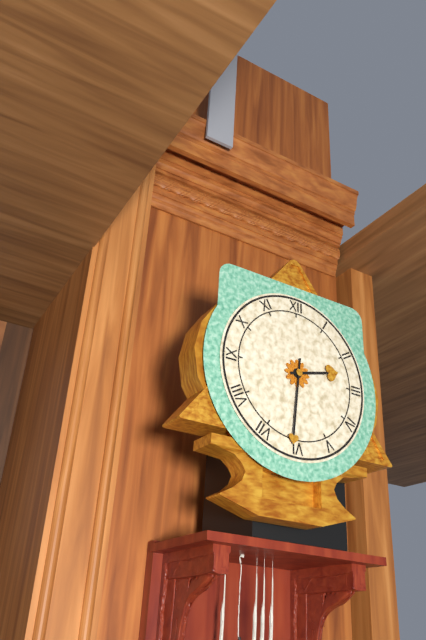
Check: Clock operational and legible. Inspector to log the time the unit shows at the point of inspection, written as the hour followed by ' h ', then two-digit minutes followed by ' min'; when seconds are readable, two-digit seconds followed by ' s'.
2 h 31 min
